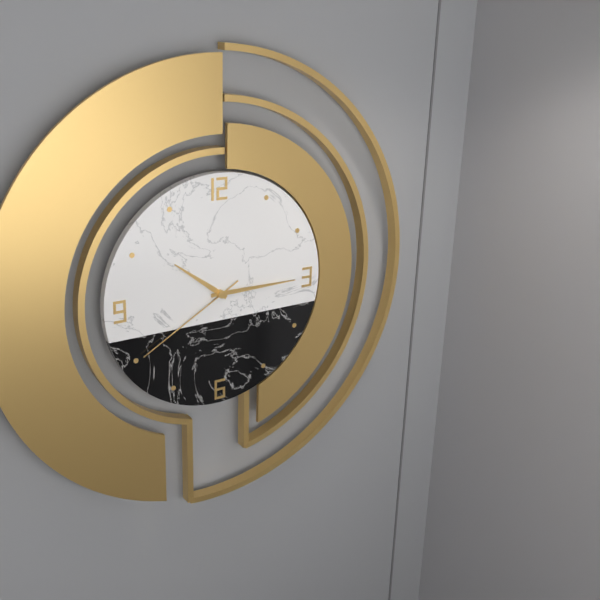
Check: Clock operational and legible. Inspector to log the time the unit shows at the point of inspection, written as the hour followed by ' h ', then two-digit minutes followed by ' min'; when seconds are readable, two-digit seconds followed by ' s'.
10 h 15 min 40 s
